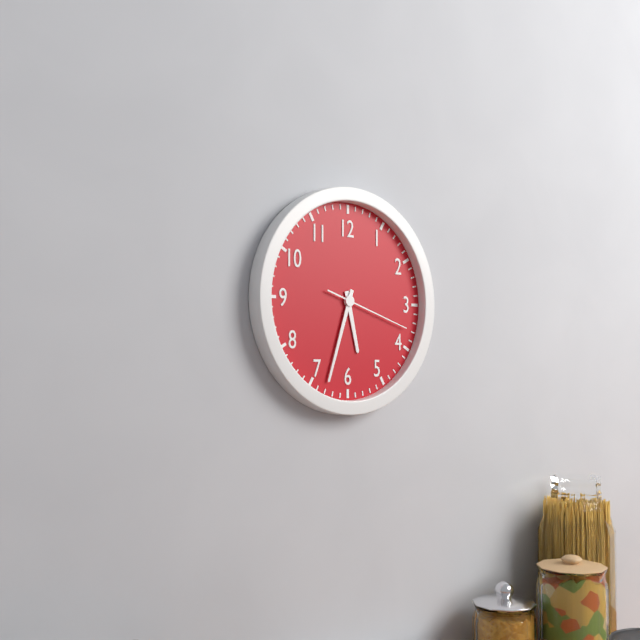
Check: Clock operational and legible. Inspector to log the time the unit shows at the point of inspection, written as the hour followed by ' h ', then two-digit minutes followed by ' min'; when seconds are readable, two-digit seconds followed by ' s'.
5 h 33 min 18 s
